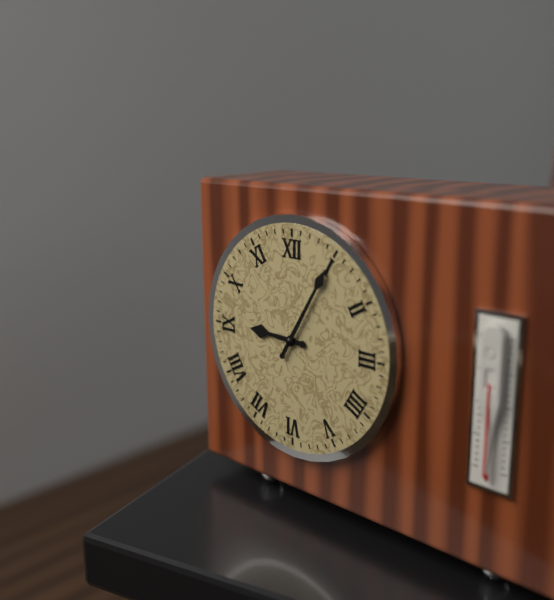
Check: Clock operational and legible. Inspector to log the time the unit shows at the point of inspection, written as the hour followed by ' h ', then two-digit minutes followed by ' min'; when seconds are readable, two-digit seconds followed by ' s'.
9 h 05 min
